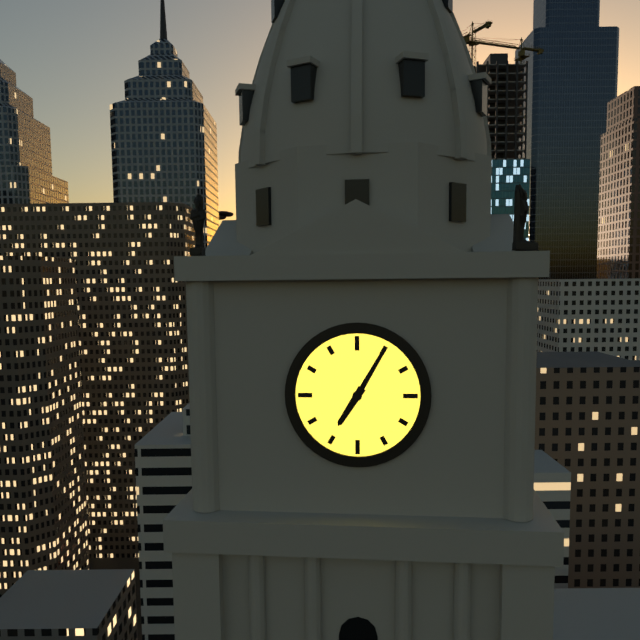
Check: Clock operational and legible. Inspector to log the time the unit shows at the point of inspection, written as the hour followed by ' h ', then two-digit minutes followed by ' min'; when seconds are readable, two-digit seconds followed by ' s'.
7 h 05 min
